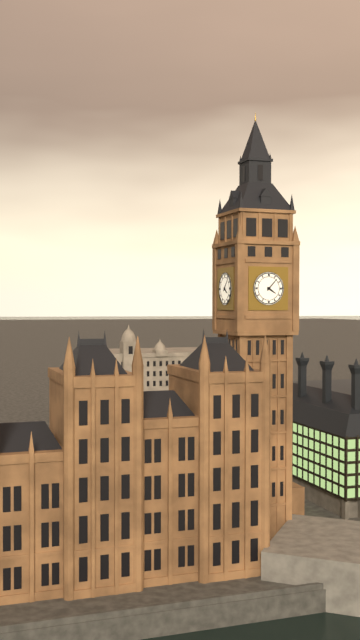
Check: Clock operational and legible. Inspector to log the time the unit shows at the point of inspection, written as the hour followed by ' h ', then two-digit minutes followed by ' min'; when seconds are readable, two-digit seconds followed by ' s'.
4 h 07 min
